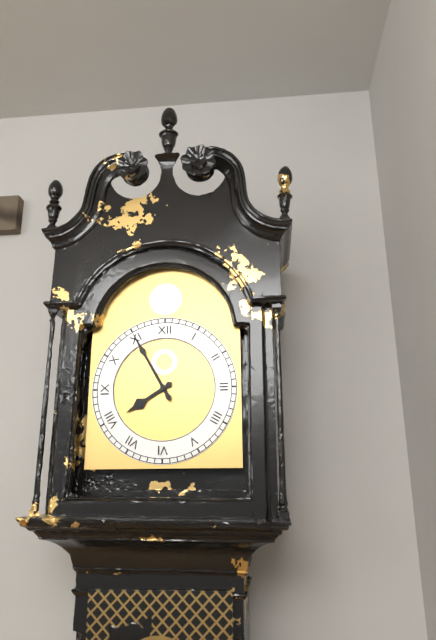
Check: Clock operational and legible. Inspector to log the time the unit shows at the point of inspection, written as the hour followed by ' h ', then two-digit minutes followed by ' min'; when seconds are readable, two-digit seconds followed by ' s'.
7 h 55 min
